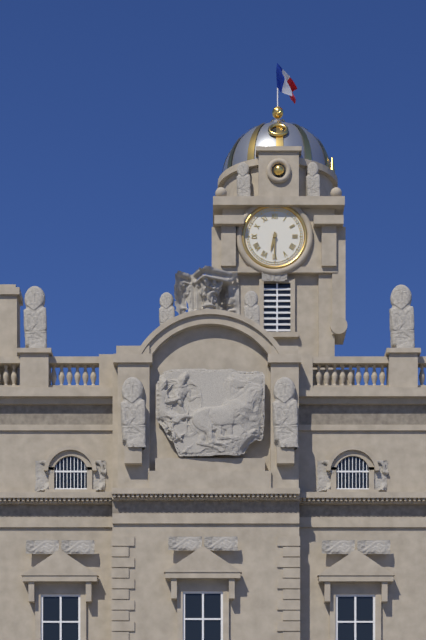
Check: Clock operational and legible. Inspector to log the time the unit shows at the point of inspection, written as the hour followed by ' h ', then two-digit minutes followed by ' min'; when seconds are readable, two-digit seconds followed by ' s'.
6 h 30 min
